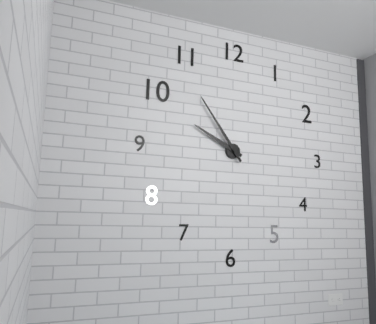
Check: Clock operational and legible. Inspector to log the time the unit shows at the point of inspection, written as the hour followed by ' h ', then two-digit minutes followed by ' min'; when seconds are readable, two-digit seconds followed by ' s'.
9 h 54 min
